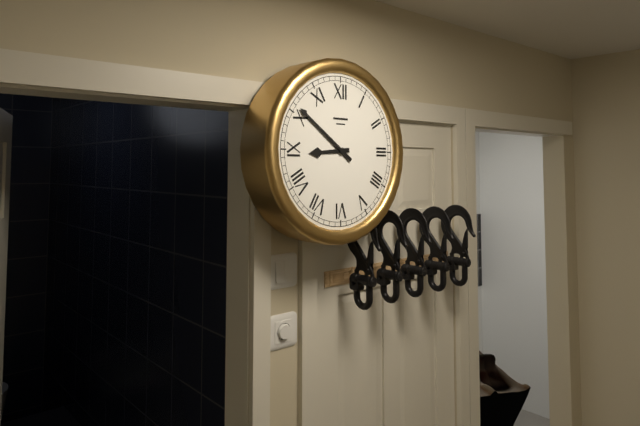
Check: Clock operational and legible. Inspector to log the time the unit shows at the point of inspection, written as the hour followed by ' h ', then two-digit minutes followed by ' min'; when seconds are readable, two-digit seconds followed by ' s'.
8 h 51 min
